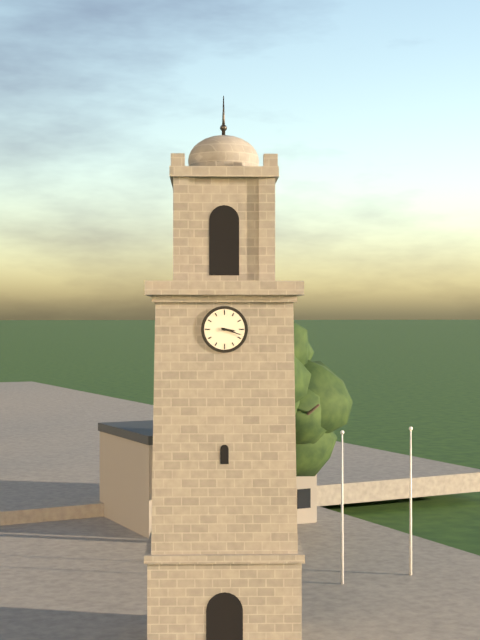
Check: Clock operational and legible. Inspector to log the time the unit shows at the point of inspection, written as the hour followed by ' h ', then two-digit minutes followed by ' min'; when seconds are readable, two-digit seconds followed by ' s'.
3 h 18 min
